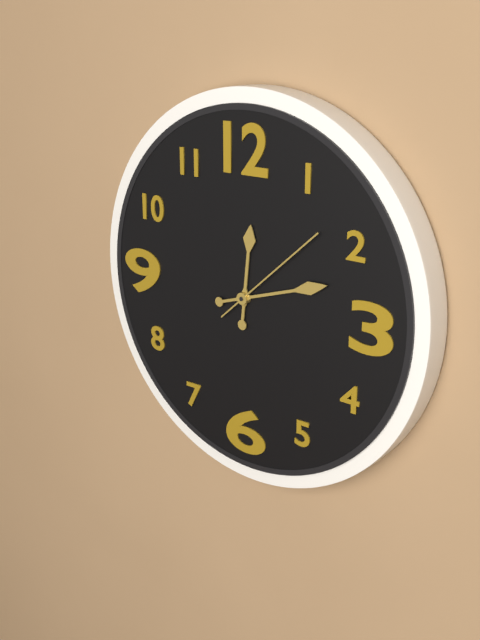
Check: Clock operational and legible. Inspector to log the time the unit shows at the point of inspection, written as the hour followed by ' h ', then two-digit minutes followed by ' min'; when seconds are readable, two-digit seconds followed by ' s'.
12 h 12 min 08 s
